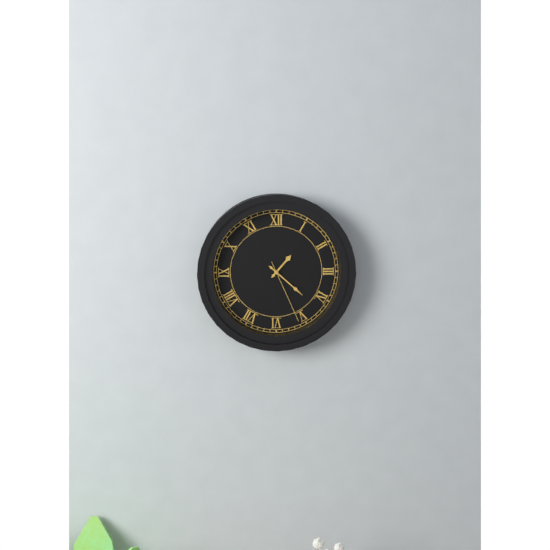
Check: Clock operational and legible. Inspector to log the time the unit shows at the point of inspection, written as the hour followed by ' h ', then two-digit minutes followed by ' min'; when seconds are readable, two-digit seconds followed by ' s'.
1 h 22 min 26 s
